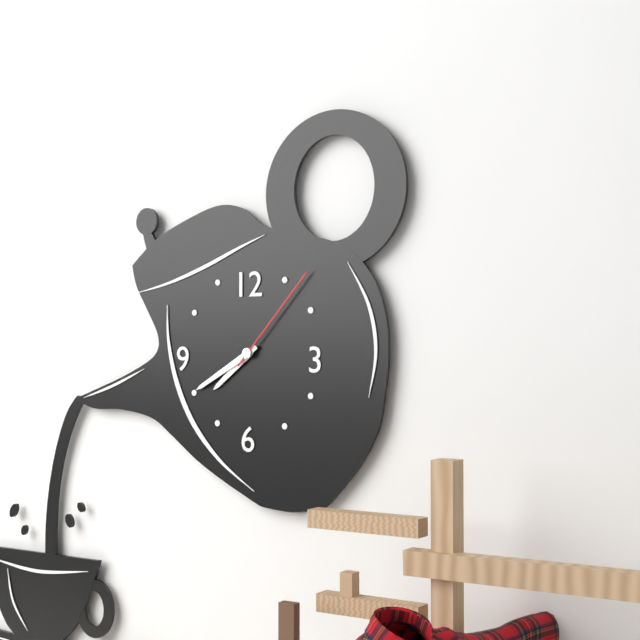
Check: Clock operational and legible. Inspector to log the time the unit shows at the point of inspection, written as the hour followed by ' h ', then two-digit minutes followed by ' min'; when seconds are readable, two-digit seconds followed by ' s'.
7 h 40 min 07 s
